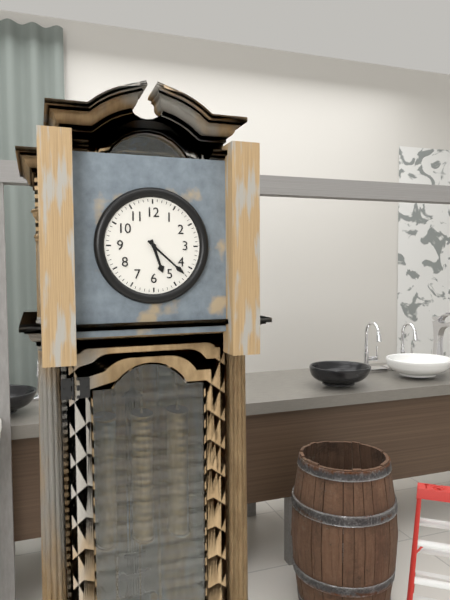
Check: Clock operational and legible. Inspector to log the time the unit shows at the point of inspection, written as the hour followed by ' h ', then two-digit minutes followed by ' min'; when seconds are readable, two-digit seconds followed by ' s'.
5 h 22 min
